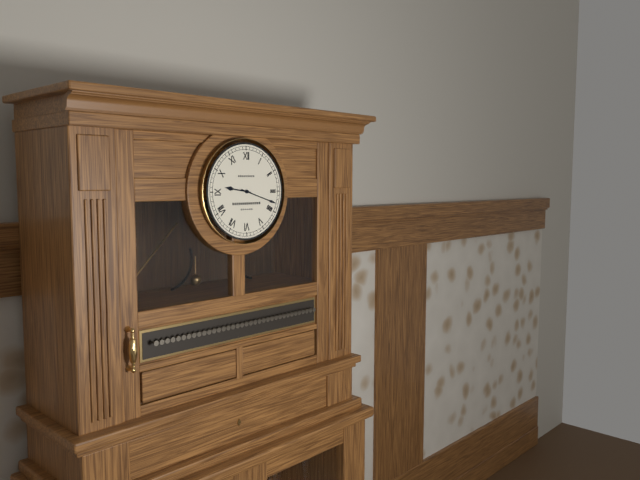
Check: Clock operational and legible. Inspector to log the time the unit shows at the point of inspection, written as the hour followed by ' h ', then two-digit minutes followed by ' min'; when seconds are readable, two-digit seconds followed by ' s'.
9 h 18 min
